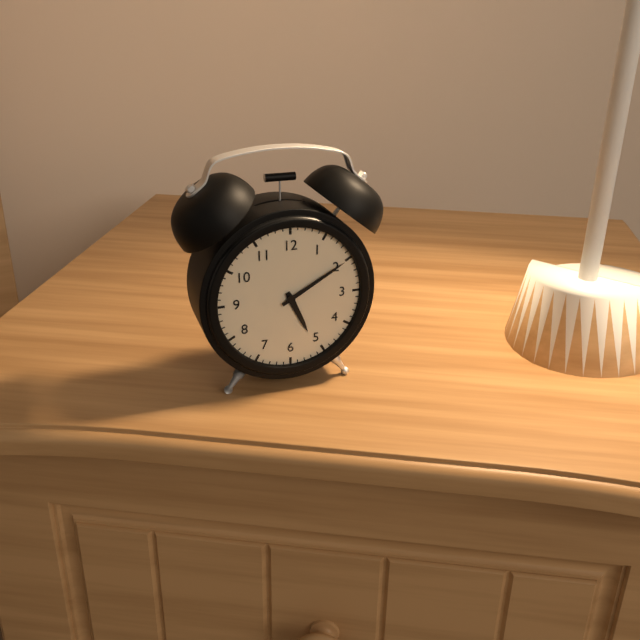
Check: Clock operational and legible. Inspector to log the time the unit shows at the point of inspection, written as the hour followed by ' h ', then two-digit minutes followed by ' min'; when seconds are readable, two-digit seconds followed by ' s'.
5 h 10 min
